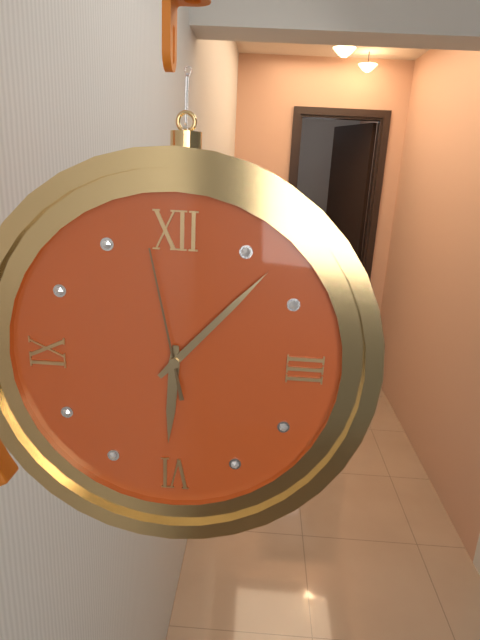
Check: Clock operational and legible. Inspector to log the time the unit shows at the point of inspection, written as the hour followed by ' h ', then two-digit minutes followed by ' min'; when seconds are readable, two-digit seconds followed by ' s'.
6 h 07 min 58 s
